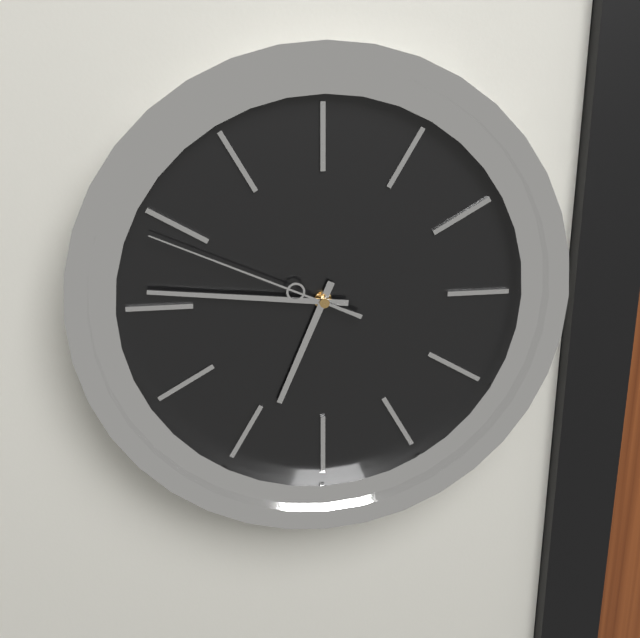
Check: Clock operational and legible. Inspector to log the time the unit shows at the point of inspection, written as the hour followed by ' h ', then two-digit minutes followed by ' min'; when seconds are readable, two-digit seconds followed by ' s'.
6 h 46 min 49 s
